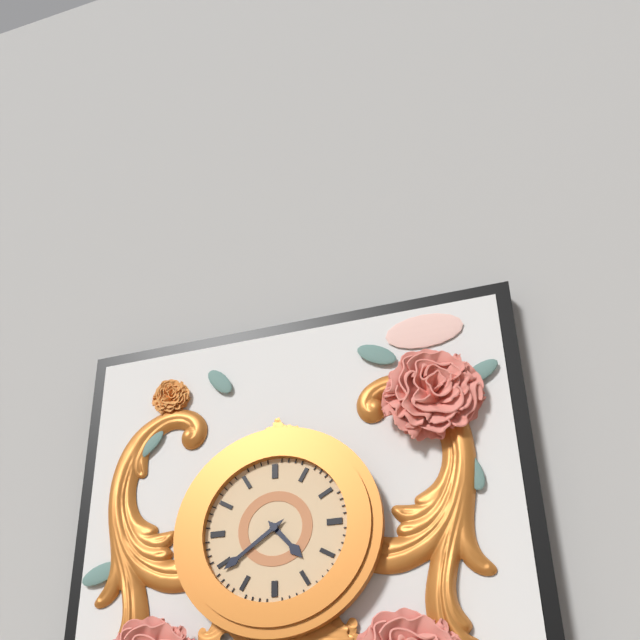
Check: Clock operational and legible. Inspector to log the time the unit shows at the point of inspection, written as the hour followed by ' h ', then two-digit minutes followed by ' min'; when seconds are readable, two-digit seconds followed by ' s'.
4 h 39 min
